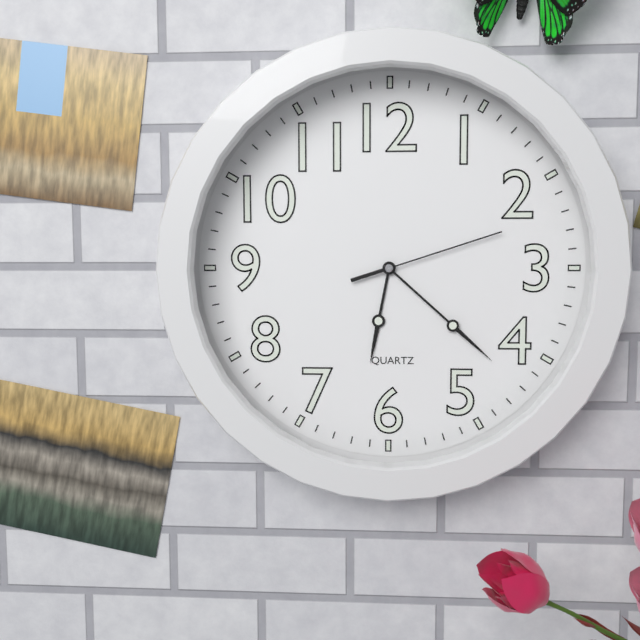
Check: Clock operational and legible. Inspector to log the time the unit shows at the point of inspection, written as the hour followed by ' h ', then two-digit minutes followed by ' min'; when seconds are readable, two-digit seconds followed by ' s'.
6 h 22 min 12 s
